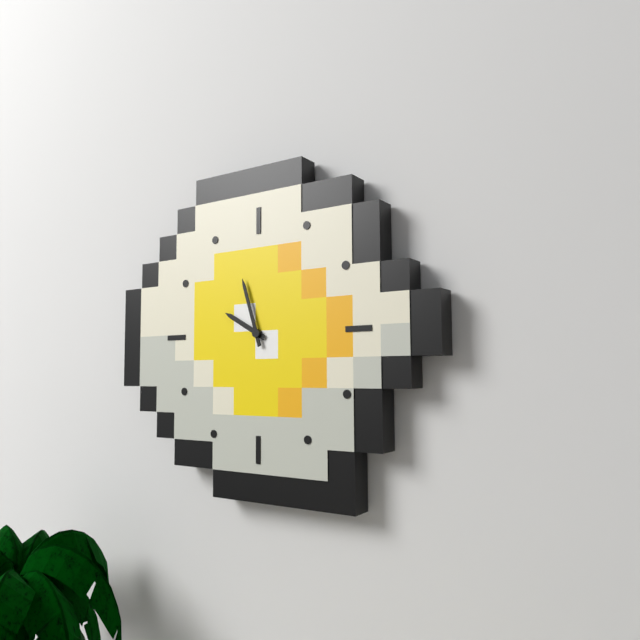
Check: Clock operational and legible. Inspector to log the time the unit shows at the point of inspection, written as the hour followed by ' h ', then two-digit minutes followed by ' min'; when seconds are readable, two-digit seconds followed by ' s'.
9 h 57 min
